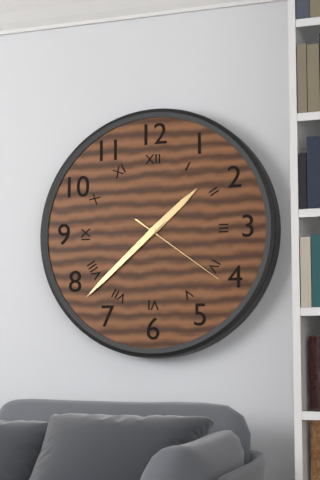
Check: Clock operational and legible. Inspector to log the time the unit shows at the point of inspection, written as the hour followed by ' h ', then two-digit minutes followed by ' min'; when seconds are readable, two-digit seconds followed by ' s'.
1 h 38 min 21 s
